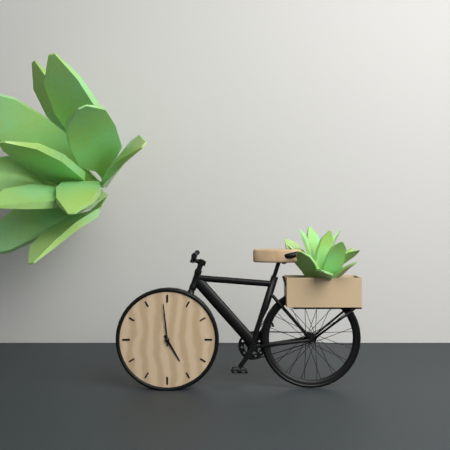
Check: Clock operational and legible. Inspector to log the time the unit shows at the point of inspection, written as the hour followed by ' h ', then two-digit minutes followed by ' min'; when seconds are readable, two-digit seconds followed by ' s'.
4 h 59 min
